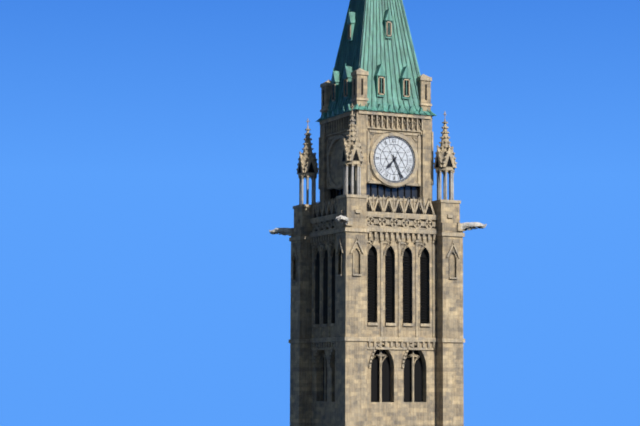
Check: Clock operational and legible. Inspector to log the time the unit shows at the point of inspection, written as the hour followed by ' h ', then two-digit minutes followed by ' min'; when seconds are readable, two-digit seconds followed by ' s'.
7 h 26 min
